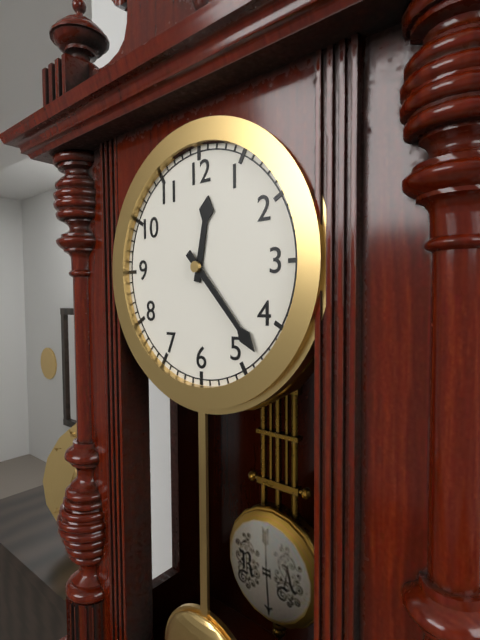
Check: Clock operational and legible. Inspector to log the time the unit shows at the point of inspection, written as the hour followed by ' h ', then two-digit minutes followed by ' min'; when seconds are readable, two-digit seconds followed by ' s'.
12 h 23 min
